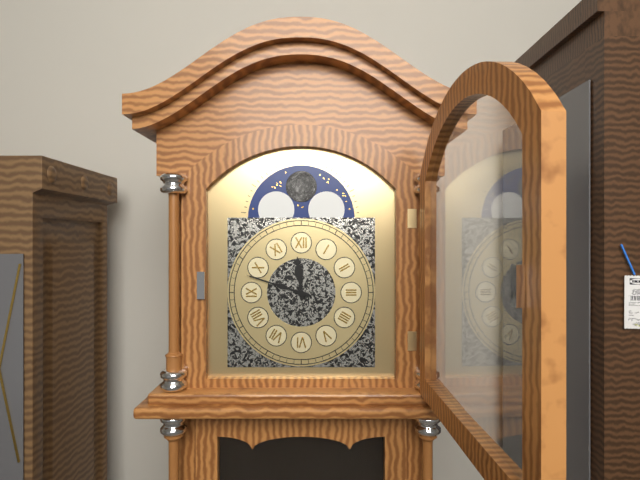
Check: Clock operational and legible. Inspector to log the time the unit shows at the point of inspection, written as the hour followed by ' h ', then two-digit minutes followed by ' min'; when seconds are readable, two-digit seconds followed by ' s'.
11 h 48 min
